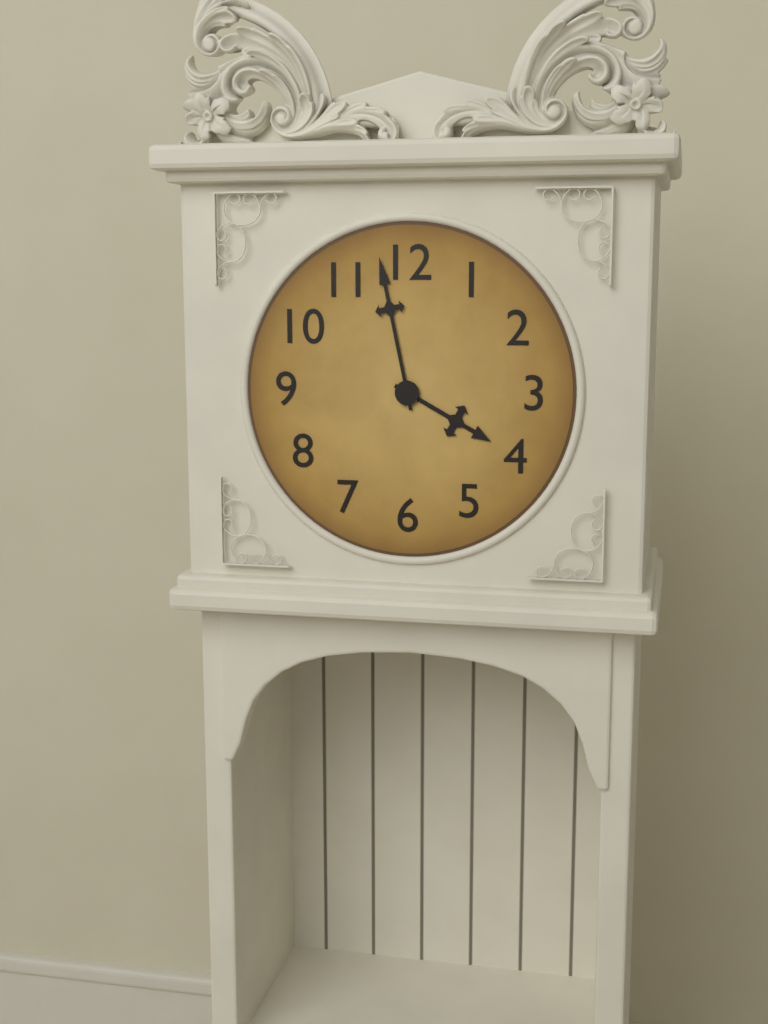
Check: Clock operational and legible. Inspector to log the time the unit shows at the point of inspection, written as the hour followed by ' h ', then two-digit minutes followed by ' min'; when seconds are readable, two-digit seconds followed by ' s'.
3 h 58 min
